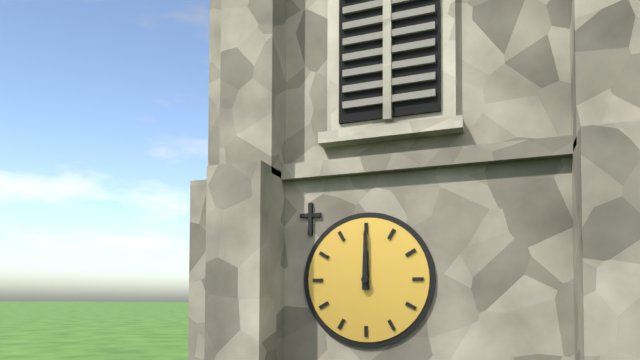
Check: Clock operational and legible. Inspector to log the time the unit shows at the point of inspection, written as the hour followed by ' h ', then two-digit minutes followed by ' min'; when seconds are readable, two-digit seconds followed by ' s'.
12 h 00 min
